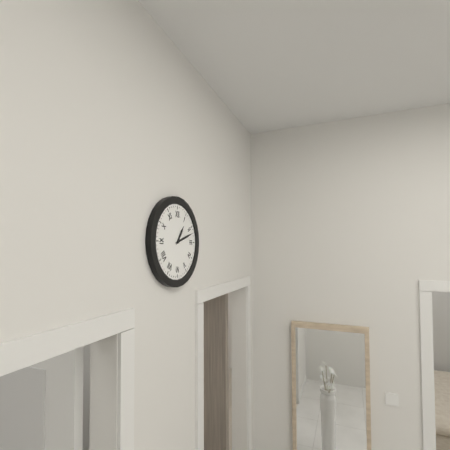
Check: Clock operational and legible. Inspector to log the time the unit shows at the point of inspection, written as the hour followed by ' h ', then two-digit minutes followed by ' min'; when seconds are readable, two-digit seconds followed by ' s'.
1 h 12 min
